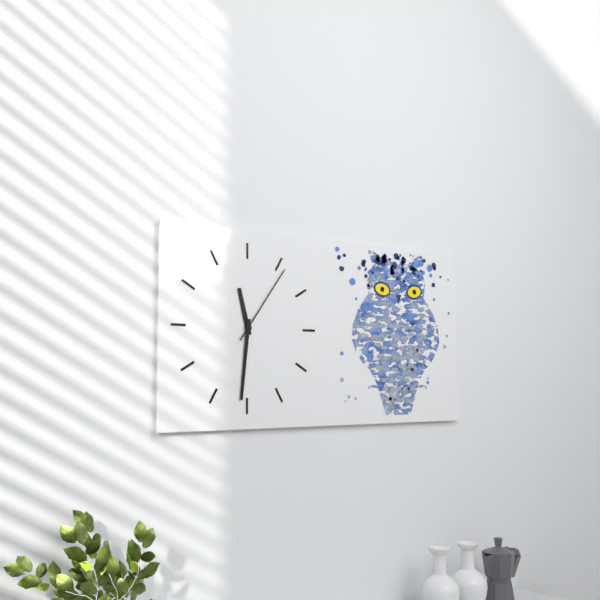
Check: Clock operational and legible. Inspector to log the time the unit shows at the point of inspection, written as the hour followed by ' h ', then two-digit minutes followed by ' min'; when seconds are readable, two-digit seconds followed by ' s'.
11 h 31 min 06 s
